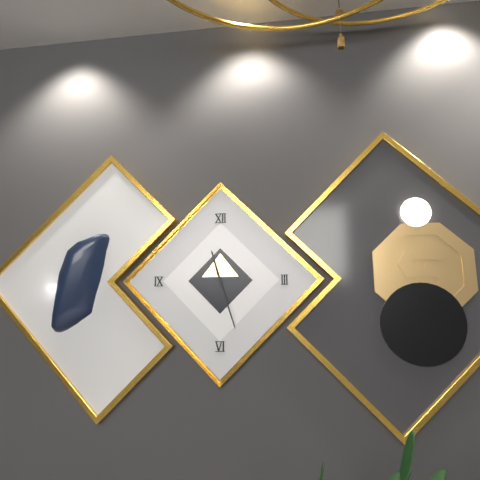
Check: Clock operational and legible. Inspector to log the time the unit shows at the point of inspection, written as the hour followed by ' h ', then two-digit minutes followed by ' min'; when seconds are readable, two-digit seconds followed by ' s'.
11 h 27 min
